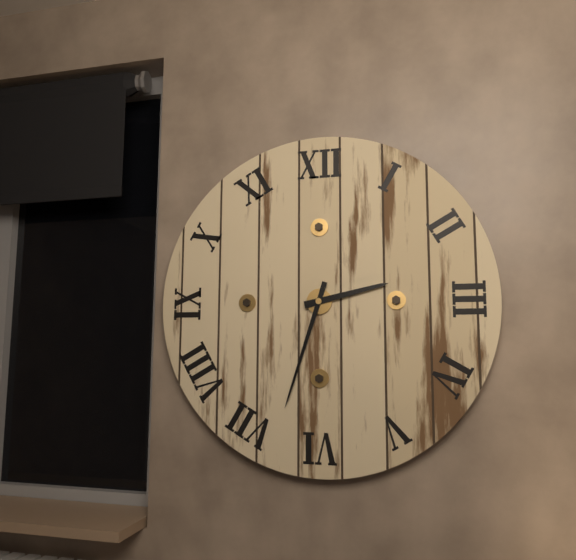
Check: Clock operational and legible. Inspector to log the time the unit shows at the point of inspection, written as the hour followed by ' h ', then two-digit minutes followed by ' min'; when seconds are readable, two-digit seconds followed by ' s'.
2 h 33 min
